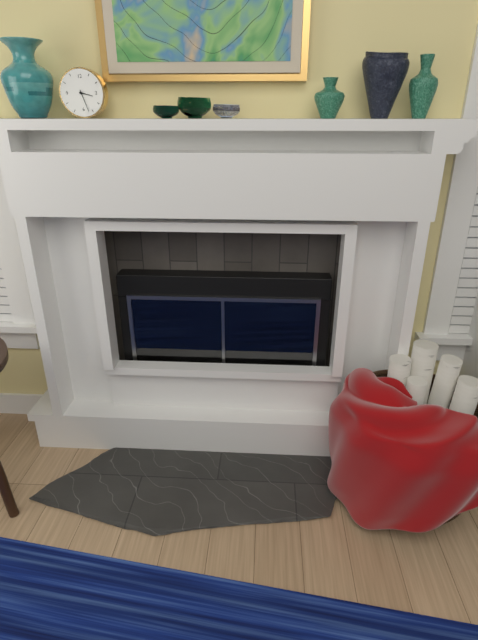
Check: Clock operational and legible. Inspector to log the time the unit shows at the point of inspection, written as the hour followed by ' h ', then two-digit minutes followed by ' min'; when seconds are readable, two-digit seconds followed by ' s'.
3 h 27 min
